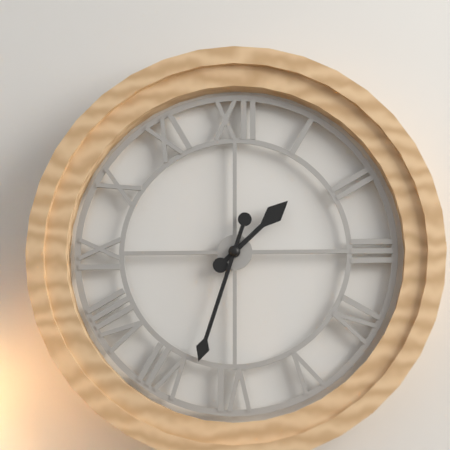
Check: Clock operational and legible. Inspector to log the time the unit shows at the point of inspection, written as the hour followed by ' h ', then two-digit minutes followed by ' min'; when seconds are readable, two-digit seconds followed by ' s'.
1 h 33 min
